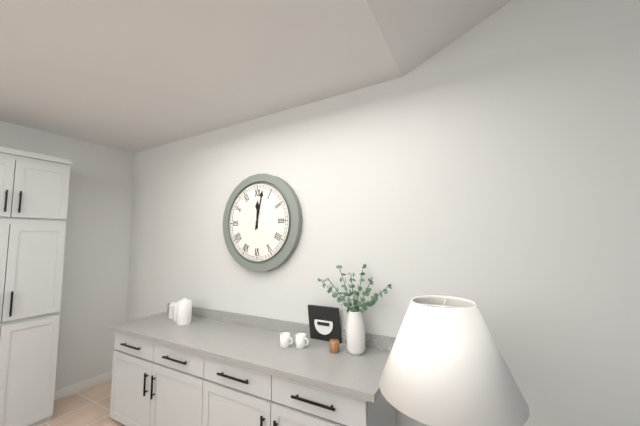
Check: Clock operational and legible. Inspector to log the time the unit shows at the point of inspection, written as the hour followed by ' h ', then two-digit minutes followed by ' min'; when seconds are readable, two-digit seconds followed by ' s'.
12 h 02 min
